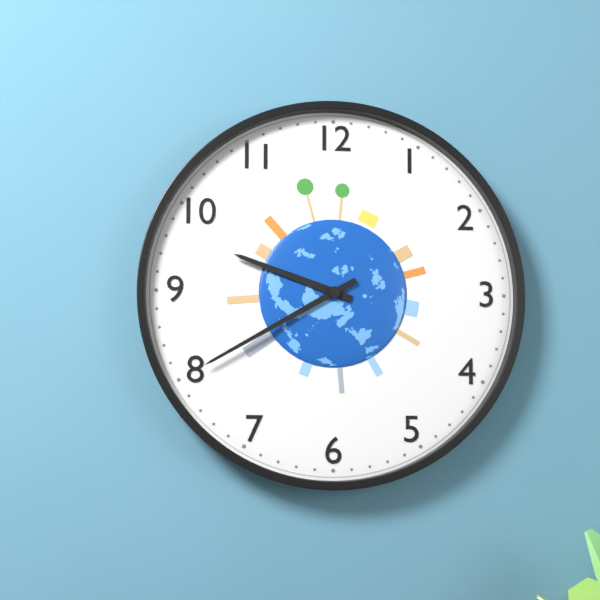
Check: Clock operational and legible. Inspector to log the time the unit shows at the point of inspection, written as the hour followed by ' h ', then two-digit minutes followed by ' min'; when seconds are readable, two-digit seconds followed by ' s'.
9 h 40 min
